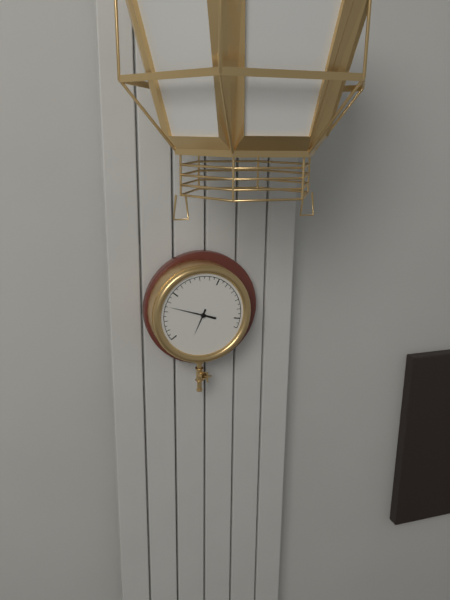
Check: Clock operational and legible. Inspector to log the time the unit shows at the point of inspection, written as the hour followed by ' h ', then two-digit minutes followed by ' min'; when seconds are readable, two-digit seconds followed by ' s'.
6 h 48 min
